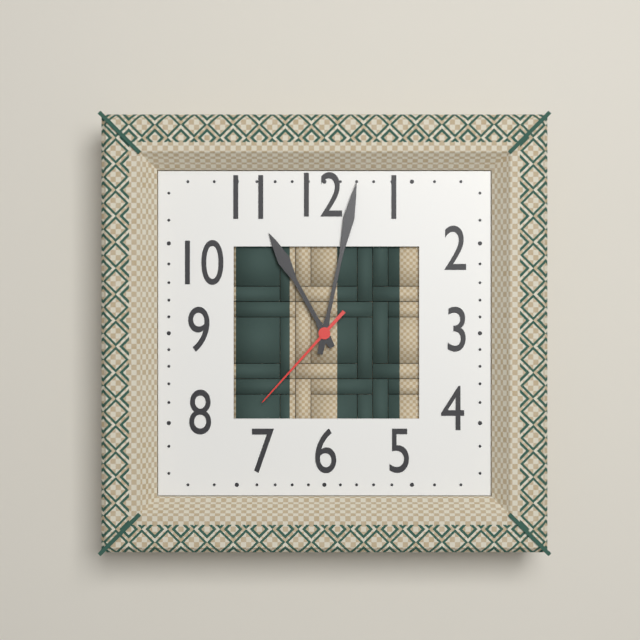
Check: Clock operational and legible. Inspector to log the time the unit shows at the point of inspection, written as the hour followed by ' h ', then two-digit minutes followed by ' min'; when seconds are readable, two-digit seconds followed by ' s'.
11 h 02 min 37 s
